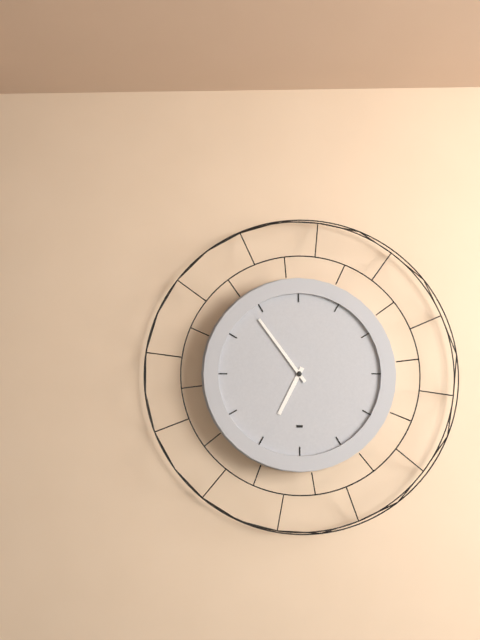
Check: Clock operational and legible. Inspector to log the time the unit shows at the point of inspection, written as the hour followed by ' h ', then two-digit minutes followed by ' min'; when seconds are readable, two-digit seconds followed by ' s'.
6 h 54 min
